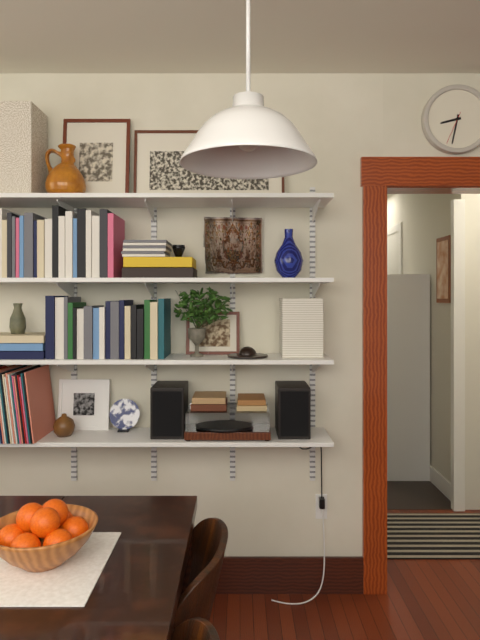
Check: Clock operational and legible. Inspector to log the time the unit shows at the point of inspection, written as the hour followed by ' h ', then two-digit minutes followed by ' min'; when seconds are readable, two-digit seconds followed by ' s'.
8 h 32 min
